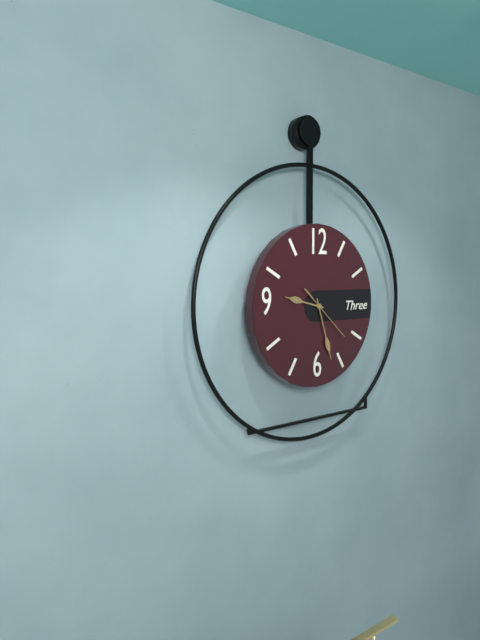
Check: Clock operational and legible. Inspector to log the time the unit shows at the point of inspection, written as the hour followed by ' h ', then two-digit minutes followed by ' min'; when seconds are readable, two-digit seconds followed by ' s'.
9 h 27 min 22 s
